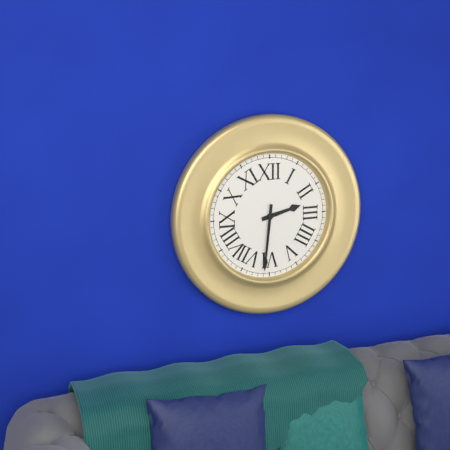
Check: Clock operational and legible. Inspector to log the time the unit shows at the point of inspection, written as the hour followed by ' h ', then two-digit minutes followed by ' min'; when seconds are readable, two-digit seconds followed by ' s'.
2 h 31 min
